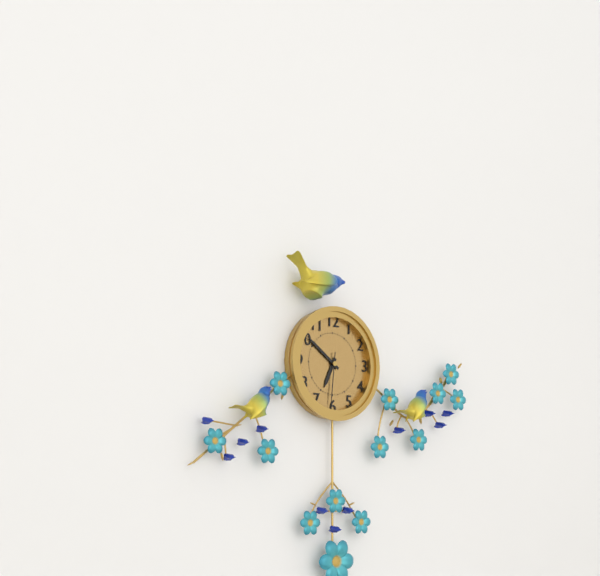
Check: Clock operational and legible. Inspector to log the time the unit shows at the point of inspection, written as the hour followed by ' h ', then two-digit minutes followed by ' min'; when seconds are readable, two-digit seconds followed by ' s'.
6 h 51 min 31 s
